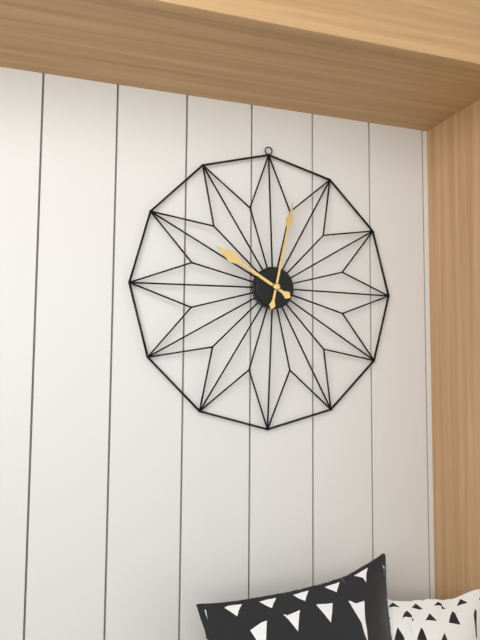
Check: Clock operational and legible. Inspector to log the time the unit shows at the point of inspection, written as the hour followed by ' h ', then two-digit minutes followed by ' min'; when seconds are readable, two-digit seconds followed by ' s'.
10 h 02 min
